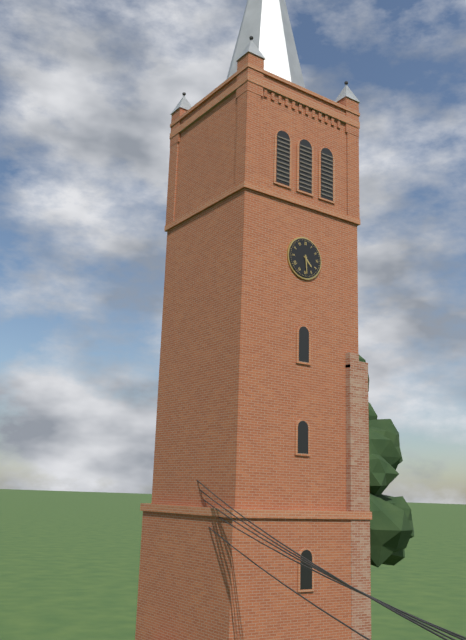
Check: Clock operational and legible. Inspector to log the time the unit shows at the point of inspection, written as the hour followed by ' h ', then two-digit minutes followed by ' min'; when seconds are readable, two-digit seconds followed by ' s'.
4 h 29 min
